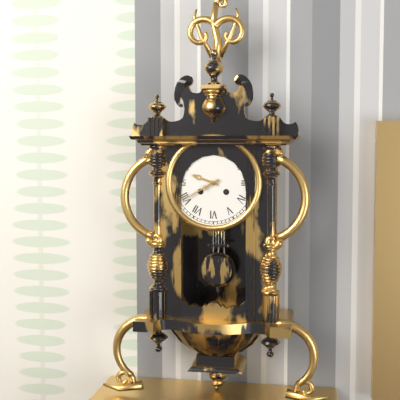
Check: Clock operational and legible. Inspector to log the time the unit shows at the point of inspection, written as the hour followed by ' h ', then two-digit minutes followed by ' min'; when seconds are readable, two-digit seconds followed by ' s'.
9 h 40 min
